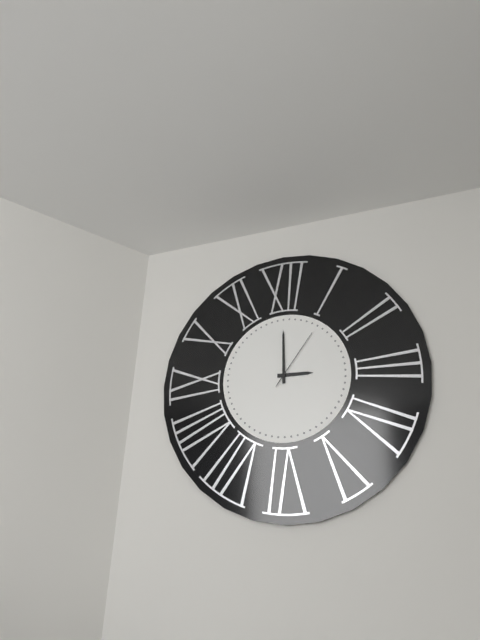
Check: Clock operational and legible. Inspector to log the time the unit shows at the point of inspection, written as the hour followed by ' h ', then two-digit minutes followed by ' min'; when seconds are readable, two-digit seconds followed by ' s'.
3 h 00 min 06 s
